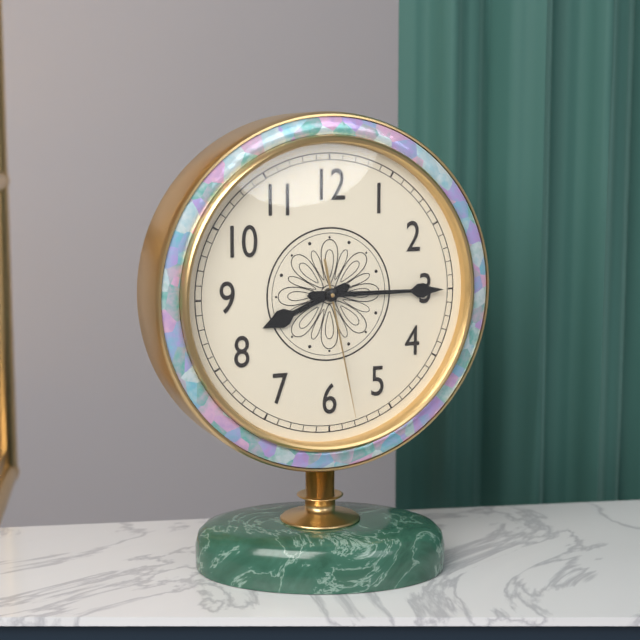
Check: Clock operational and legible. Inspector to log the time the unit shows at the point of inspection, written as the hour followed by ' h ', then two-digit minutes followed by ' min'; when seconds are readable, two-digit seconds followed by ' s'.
8 h 15 min 28 s
